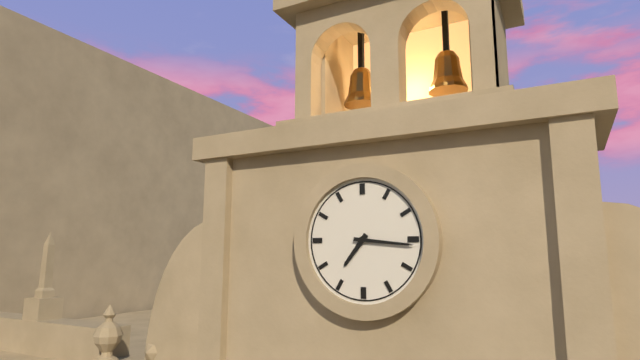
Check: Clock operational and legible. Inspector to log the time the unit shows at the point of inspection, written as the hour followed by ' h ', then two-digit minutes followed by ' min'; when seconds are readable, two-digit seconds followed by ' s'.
7 h 16 min
